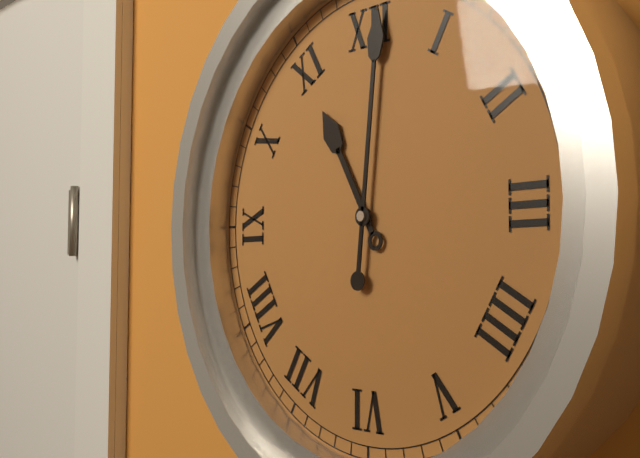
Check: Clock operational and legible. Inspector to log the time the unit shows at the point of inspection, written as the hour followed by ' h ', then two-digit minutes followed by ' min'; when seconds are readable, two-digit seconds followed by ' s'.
11 h 01 min
